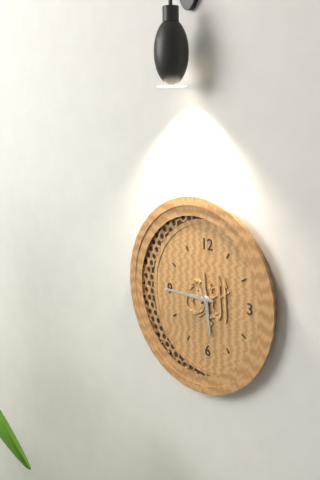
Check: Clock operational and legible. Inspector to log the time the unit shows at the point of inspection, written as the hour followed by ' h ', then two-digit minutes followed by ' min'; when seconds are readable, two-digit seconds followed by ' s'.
5 h 45 min
